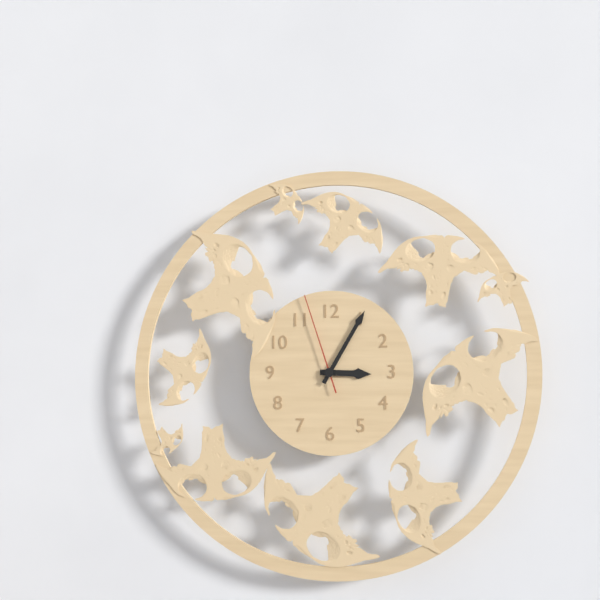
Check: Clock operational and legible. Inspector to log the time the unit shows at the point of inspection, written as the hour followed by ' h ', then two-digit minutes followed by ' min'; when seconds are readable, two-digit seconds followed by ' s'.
3 h 05 min 57 s
